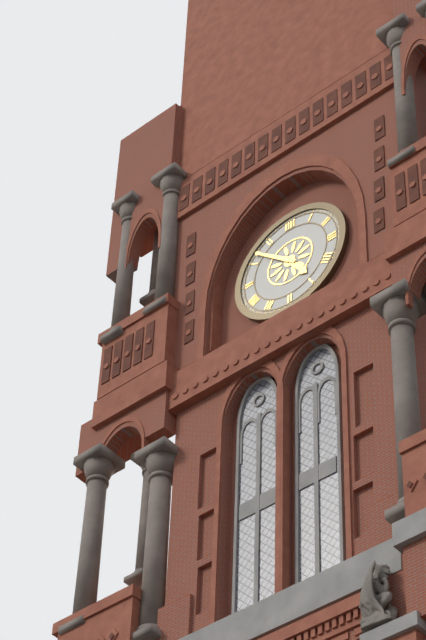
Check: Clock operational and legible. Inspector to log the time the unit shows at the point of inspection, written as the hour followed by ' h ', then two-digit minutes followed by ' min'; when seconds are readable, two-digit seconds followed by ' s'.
4 h 52 min
